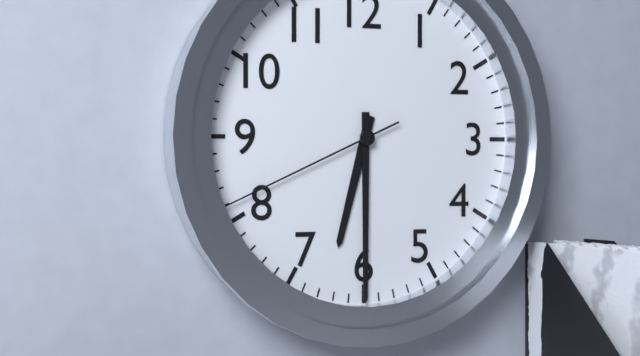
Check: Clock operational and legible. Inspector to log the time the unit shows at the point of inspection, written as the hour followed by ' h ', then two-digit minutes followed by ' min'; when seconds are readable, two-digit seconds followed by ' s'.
6 h 30 min 41 s
